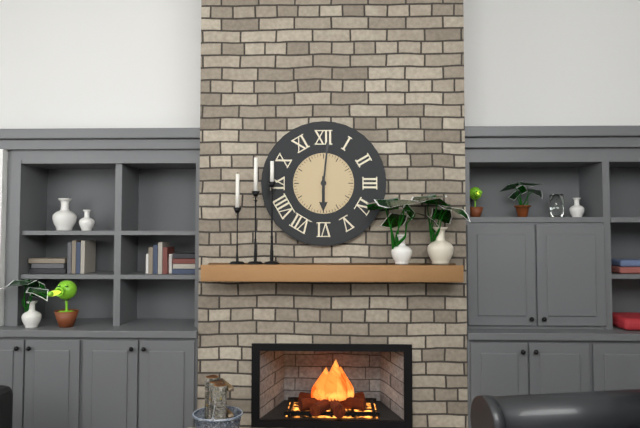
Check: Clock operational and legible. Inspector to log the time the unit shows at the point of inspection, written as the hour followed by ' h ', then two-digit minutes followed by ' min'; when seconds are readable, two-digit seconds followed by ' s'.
6 h 01 min
